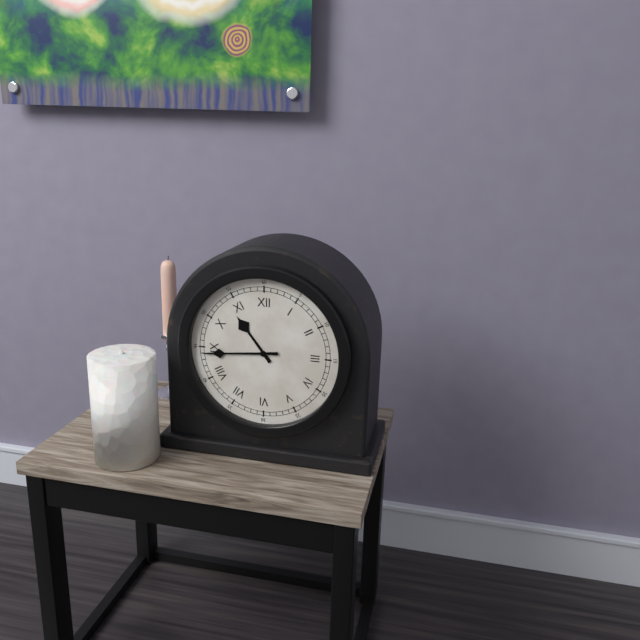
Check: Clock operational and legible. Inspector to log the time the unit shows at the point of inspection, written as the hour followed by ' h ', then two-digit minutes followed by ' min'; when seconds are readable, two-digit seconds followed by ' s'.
10 h 44 min
